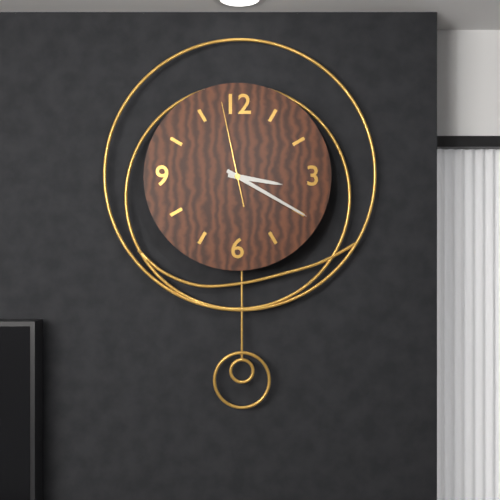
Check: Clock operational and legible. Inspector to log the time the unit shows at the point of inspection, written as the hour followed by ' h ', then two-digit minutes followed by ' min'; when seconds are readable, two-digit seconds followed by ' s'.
3 h 20 min 58 s
